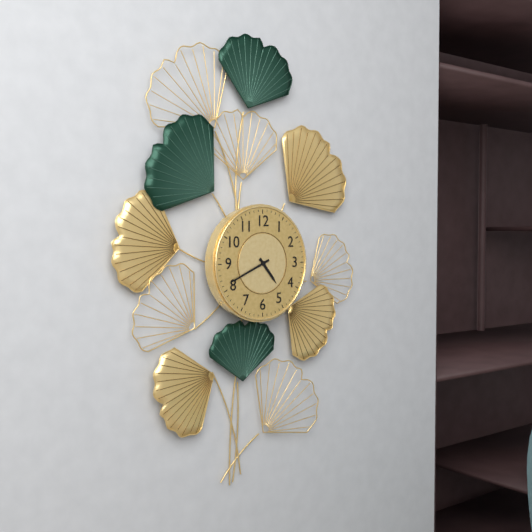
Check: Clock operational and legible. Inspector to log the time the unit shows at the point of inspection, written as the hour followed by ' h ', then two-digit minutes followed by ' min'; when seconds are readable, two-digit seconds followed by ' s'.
4 h 41 min
